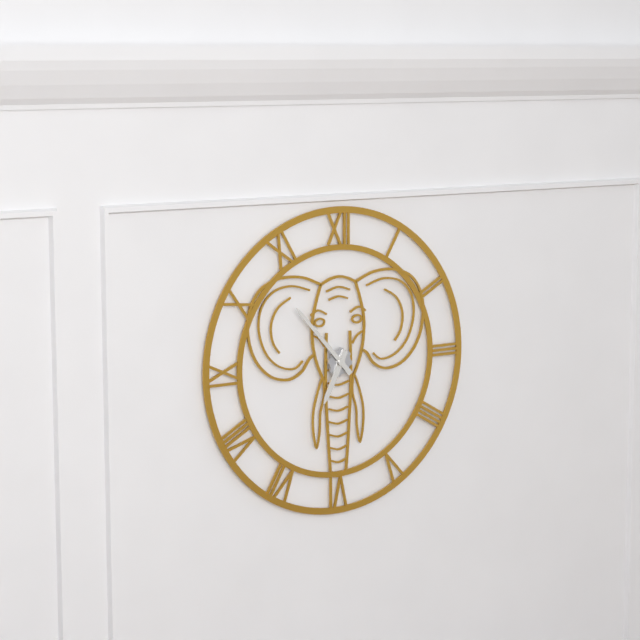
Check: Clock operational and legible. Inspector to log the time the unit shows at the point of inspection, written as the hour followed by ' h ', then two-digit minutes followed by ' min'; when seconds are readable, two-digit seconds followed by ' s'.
6 h 53 min
